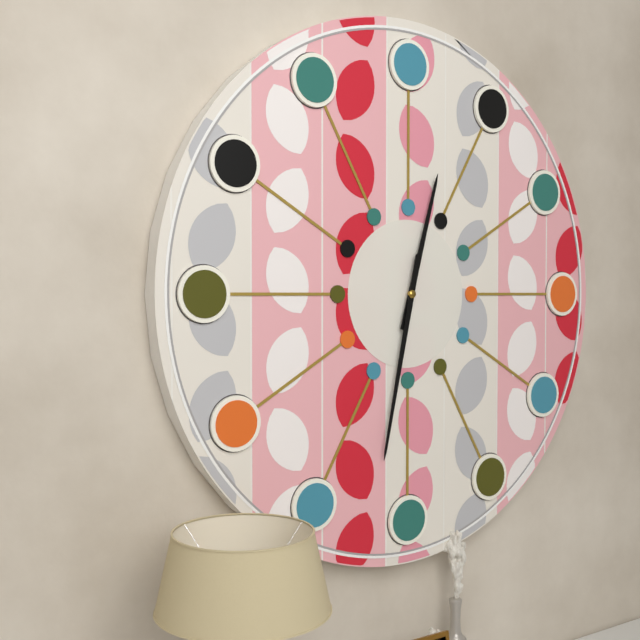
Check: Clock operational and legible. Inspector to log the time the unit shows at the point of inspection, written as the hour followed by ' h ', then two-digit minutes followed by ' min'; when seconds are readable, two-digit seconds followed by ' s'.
12 h 32 min
